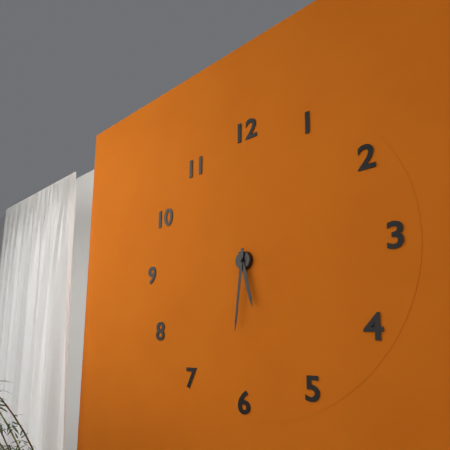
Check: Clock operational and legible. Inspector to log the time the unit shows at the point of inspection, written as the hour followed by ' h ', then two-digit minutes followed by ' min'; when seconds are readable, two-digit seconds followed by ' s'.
5 h 31 min
